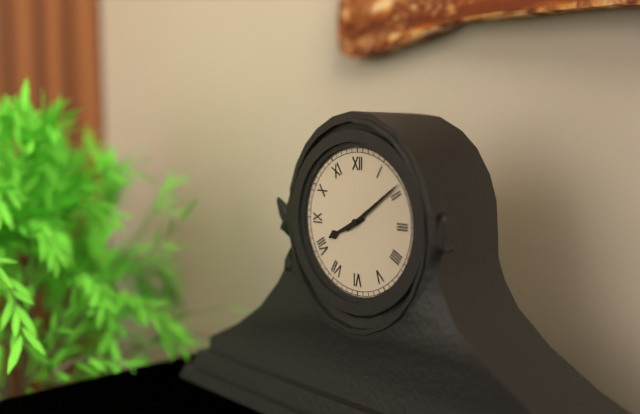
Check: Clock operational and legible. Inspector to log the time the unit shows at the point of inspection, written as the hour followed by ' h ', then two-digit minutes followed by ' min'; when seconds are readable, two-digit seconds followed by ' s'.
8 h 09 min
